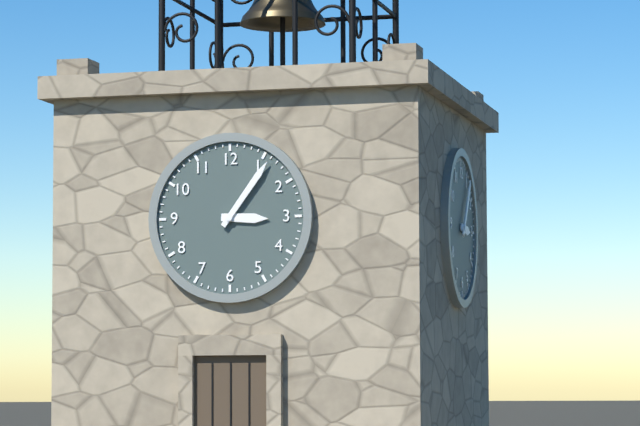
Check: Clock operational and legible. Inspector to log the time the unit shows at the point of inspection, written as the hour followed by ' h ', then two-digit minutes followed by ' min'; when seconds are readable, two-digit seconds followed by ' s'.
3 h 06 min
